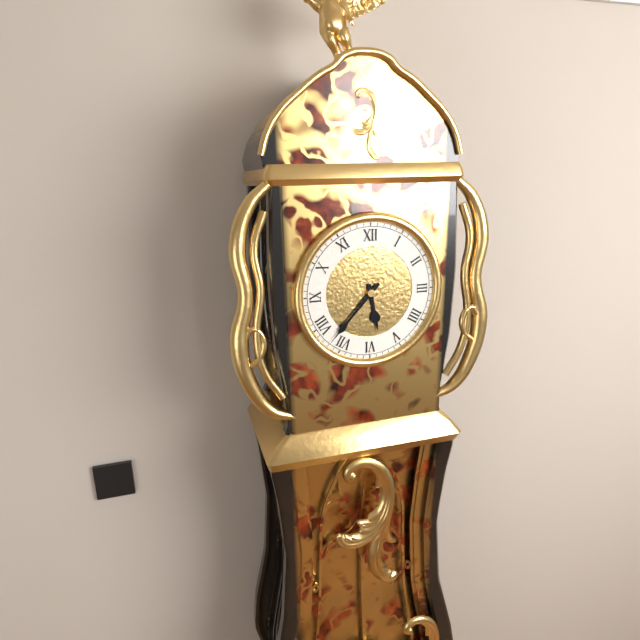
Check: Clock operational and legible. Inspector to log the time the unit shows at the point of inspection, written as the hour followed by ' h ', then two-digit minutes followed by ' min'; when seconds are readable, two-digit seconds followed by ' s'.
5 h 37 min
